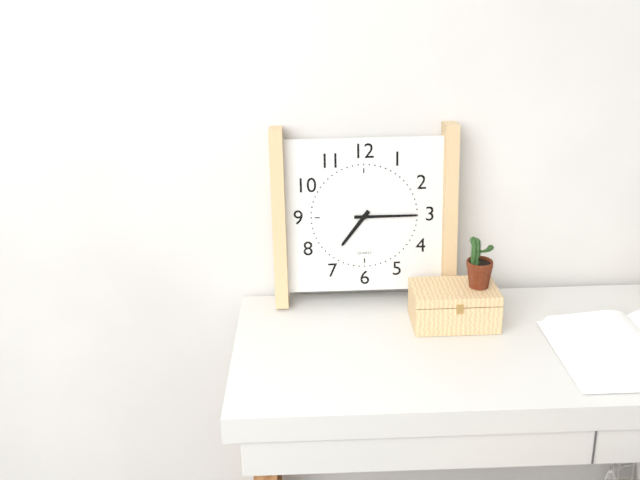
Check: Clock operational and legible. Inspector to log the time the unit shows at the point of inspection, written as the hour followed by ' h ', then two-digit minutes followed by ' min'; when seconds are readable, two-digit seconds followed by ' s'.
7 h 15 min
